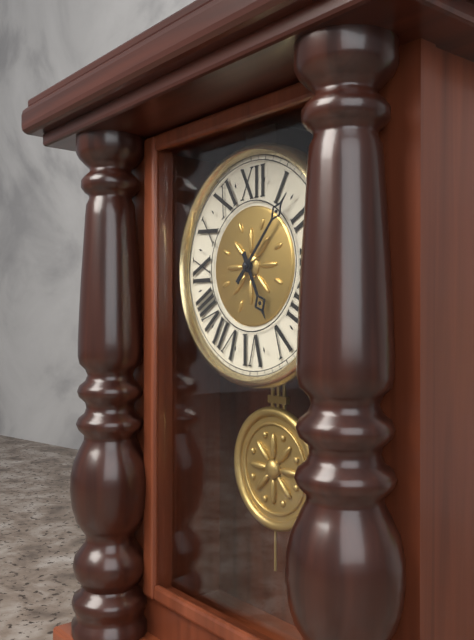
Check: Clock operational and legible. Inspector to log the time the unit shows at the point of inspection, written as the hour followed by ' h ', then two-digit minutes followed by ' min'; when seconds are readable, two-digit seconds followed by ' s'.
5 h 07 min
